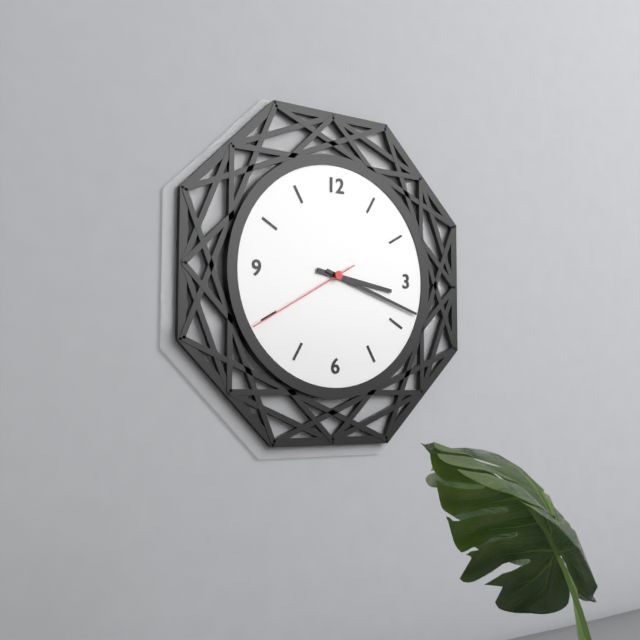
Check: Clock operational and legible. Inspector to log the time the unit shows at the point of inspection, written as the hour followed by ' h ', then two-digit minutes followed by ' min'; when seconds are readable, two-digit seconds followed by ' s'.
3 h 18 min 40 s
